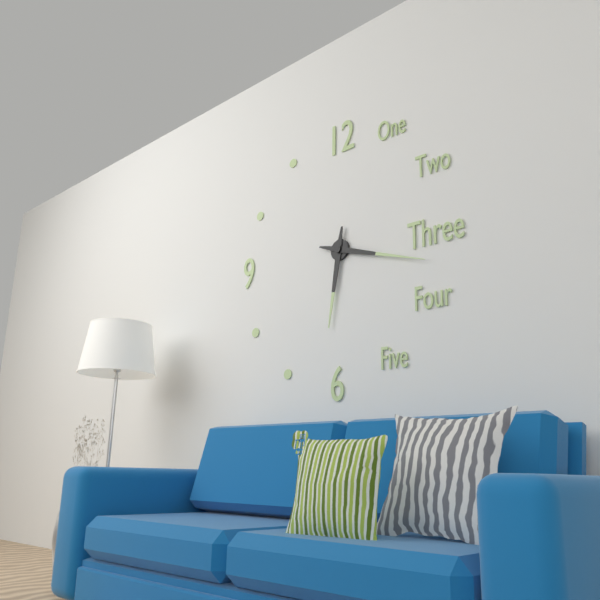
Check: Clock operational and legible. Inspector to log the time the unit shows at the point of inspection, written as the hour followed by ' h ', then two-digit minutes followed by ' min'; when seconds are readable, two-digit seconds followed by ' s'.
6 h 18 min
